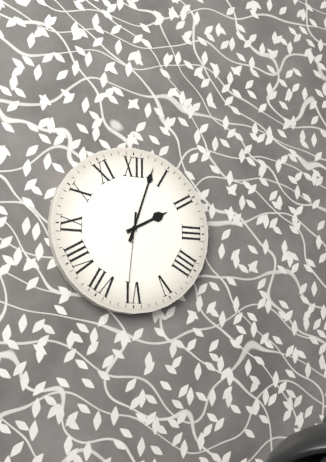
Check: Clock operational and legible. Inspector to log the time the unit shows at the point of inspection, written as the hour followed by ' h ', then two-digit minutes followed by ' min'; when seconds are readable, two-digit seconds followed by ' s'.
2 h 03 min 31 s
